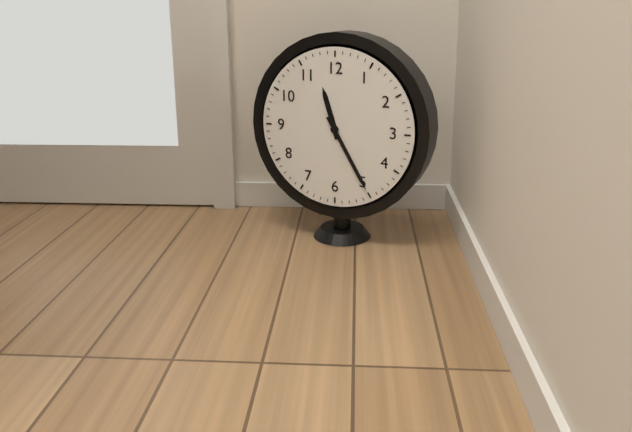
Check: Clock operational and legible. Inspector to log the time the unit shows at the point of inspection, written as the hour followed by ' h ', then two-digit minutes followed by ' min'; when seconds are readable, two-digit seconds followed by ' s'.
11 h 25 min
